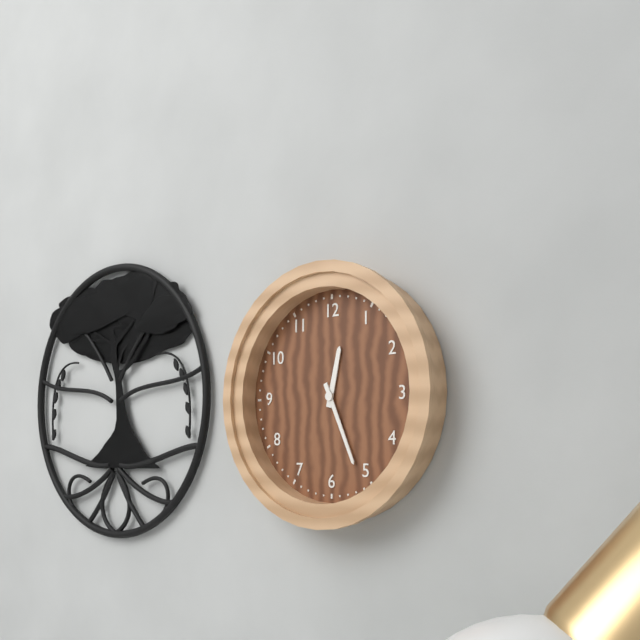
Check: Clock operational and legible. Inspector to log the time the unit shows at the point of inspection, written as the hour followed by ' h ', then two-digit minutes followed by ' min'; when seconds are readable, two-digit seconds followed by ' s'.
12 h 26 min
